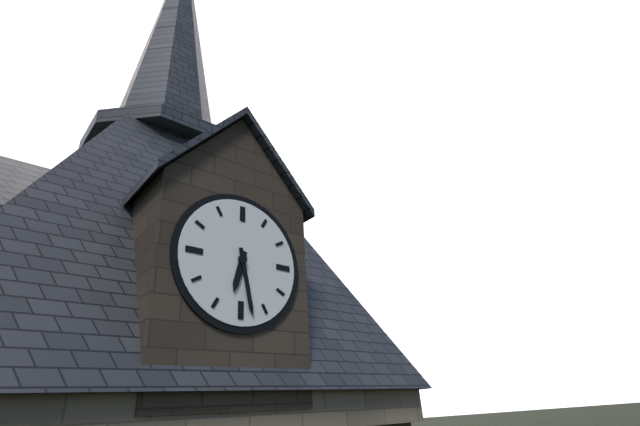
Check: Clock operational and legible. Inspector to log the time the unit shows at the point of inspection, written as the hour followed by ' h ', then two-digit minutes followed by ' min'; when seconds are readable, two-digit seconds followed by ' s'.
6 h 28 min
